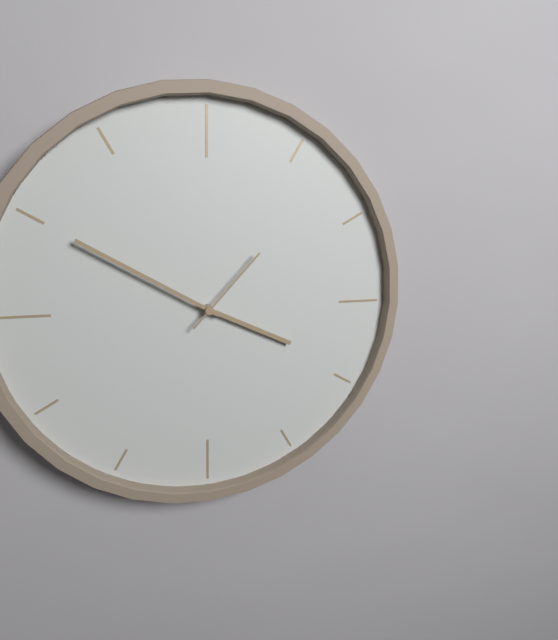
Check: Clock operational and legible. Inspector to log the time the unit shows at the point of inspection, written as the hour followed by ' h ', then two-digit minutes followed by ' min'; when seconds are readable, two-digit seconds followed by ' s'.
3 h 50 min 07 s
